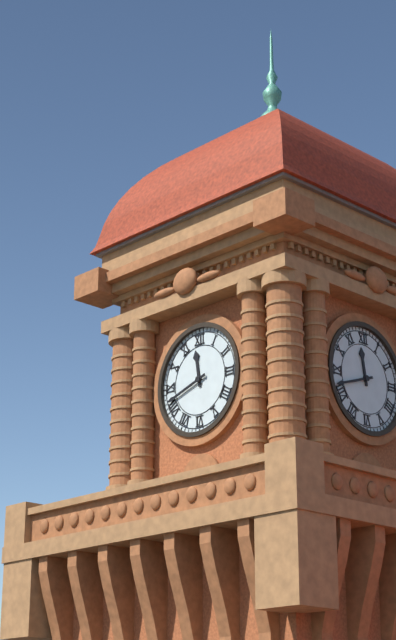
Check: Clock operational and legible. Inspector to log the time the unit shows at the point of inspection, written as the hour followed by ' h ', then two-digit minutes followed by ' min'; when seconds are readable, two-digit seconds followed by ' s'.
11 h 42 min
